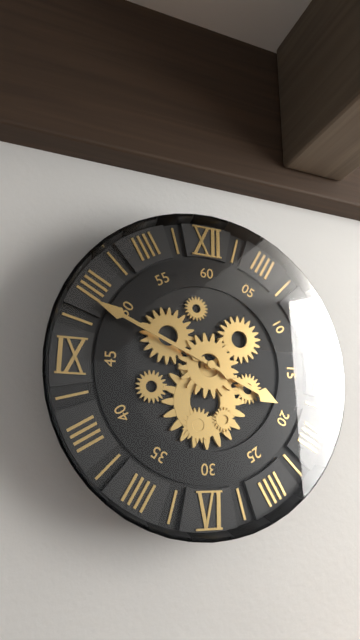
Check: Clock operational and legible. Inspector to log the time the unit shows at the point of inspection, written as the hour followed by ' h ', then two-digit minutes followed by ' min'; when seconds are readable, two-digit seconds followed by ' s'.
3 h 49 min
